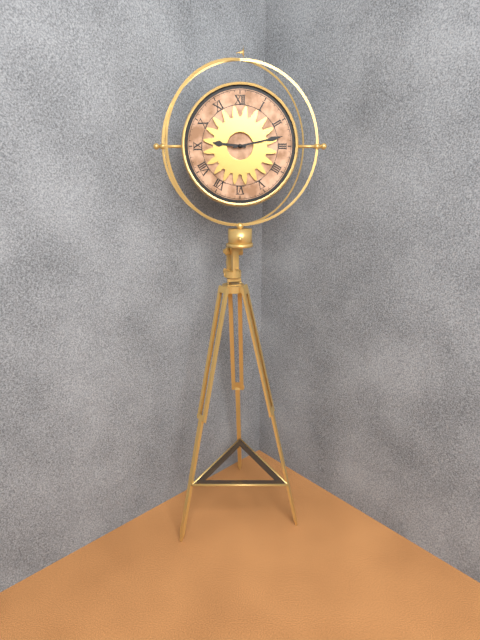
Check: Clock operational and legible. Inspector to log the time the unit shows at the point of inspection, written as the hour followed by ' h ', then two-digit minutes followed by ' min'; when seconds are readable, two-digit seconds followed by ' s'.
9 h 13 min
